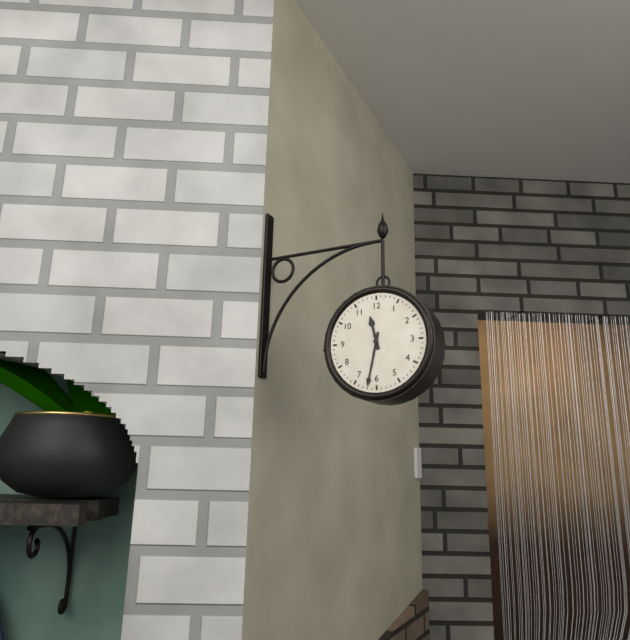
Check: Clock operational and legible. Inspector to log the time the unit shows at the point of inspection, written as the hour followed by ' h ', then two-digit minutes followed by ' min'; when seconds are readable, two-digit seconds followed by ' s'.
11 h 32 min
